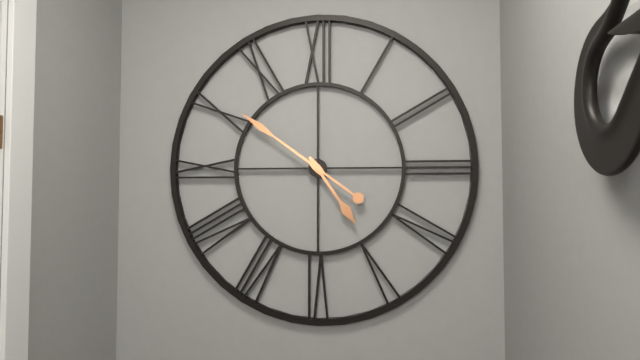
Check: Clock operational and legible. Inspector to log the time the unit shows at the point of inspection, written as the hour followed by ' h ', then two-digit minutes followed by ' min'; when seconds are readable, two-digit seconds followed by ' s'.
4 h 51 min
